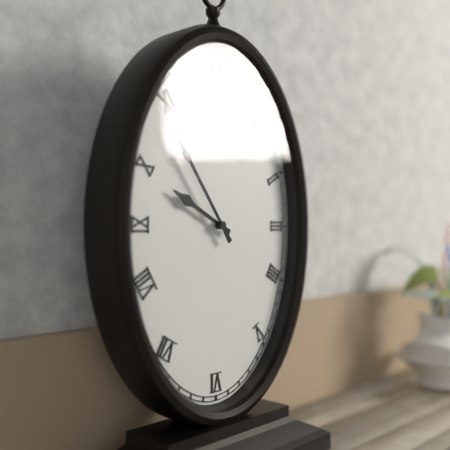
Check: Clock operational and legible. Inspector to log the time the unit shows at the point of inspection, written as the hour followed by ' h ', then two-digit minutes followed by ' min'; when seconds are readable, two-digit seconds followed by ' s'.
9 h 54 min
